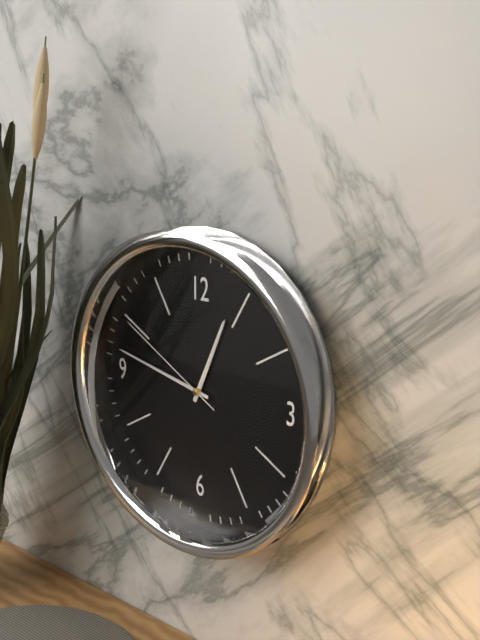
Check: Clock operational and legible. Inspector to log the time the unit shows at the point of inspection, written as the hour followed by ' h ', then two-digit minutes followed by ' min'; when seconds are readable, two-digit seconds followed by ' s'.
12 h 47 min 50 s
